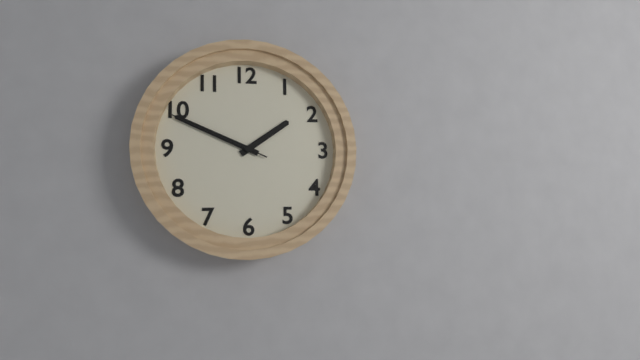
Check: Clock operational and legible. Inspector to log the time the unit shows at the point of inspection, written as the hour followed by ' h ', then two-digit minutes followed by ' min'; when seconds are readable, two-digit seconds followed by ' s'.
1 h 49 min 49 s
